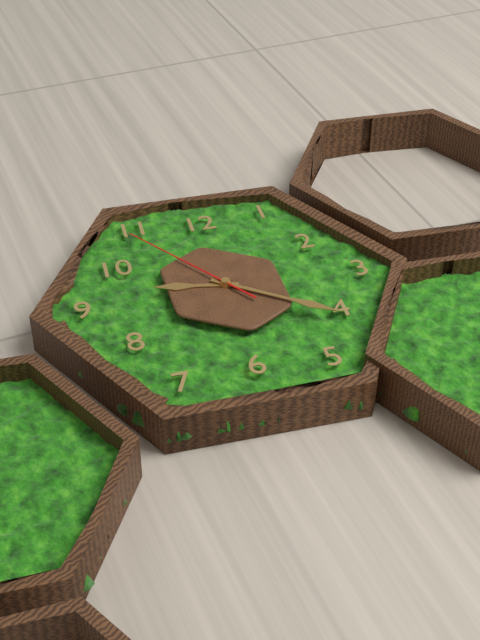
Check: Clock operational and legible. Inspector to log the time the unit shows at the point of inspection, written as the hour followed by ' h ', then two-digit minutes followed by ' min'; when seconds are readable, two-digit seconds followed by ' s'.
9 h 21 min 54 s
